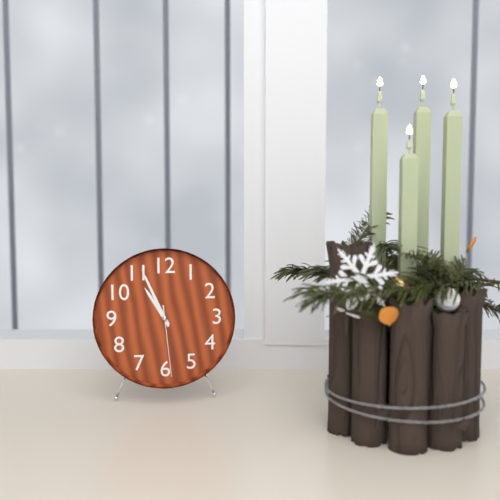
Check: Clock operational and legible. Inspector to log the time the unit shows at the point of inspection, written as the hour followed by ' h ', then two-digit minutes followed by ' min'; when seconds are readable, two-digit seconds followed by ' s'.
10 h 56 min 29 s
